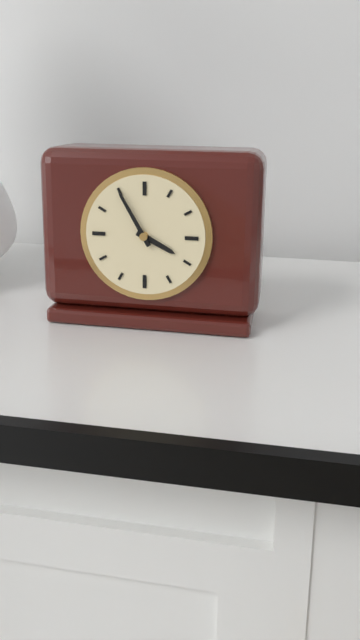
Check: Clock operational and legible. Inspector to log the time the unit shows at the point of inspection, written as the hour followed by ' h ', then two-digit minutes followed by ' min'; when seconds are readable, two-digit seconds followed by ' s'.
3 h 55 min
